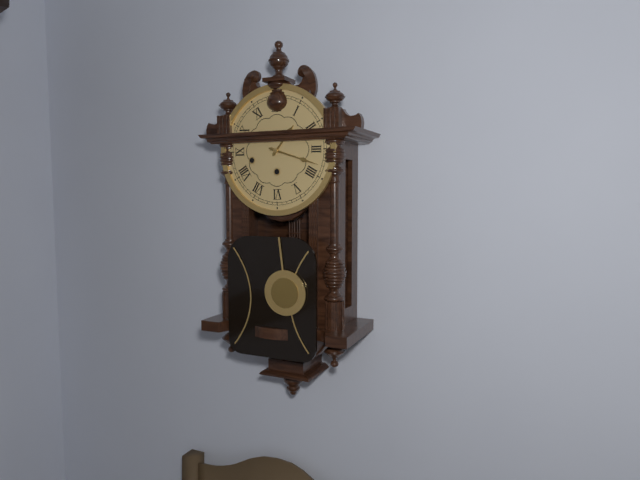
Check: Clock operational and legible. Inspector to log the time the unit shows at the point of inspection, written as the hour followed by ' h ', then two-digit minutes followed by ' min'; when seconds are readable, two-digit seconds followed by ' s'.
1 h 18 min
